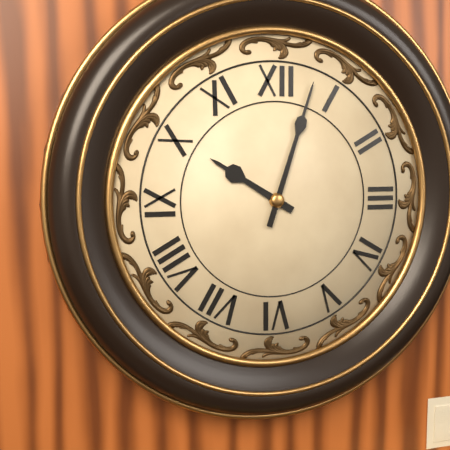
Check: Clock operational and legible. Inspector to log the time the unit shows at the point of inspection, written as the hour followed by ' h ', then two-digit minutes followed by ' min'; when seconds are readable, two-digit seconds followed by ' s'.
10 h 03 min
